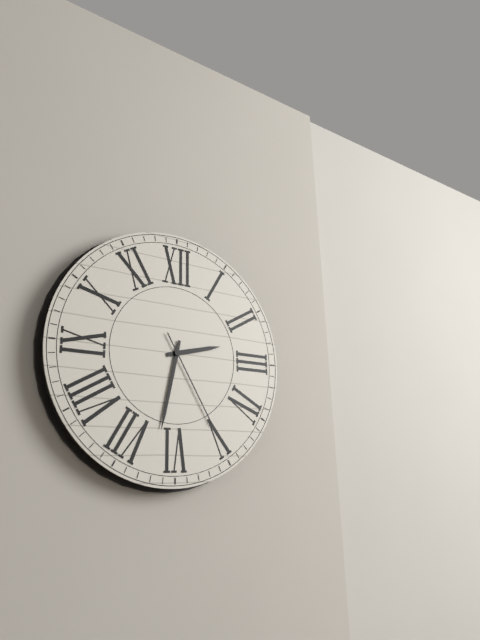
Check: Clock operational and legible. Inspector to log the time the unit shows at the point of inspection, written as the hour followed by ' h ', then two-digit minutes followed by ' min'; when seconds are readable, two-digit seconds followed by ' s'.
2 h 32 min 25 s
